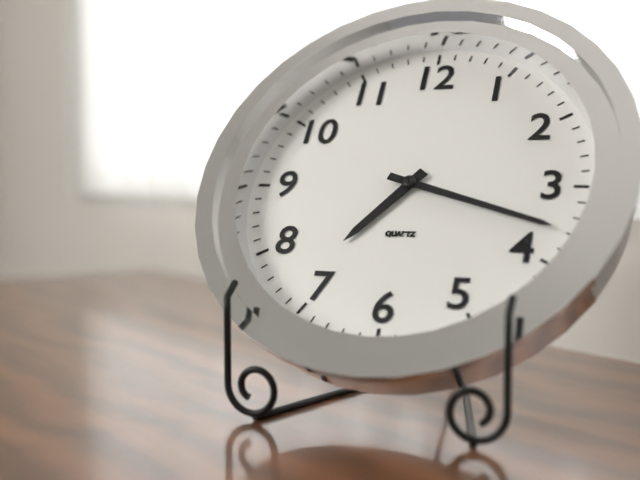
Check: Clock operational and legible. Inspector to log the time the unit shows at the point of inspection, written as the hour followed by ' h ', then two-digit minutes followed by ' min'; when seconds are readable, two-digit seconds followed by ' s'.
7 h 18 min
